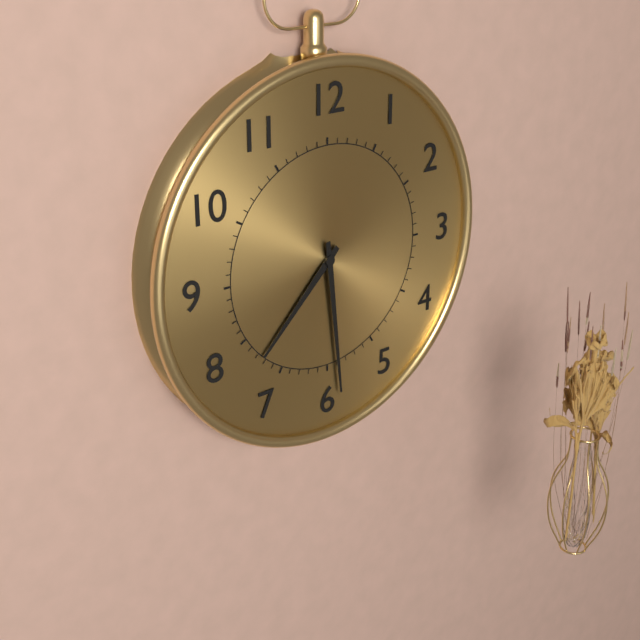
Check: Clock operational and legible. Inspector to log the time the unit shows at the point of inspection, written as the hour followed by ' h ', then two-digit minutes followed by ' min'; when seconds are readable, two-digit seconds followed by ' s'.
7 h 29 min
